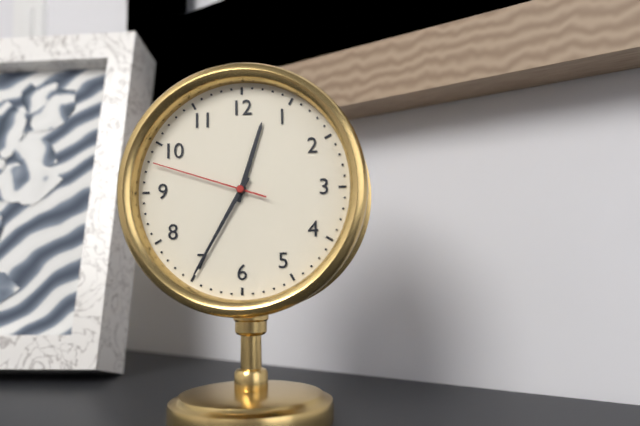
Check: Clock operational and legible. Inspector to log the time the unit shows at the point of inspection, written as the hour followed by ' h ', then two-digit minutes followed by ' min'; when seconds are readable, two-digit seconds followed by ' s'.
12 h 35 min 48 s
